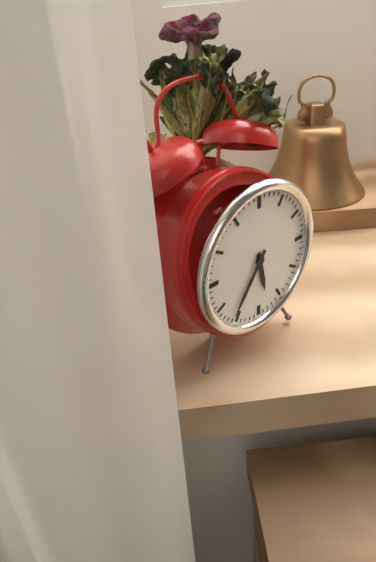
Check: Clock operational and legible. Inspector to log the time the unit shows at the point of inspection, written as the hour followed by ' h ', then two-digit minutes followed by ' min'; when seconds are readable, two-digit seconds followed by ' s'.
5 h 36 min
